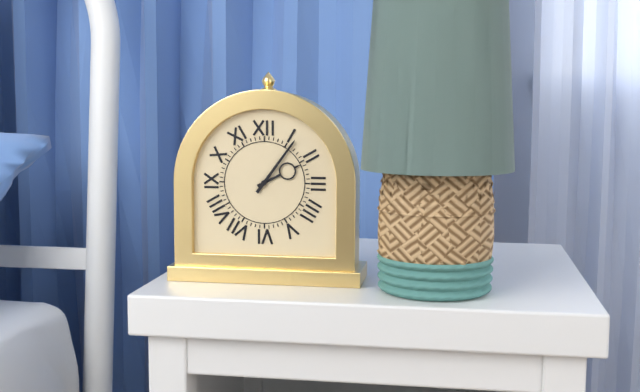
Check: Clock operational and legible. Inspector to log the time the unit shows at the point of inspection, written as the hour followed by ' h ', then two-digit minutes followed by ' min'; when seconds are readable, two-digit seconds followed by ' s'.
2 h 06 min
